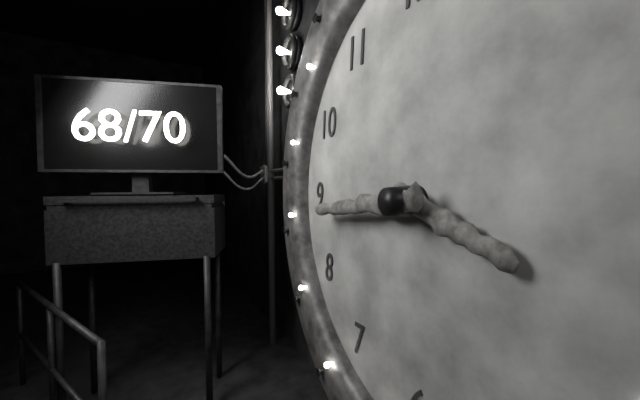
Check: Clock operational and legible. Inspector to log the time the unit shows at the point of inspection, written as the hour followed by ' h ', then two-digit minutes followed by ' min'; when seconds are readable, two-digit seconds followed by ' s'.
3 h 44 min
